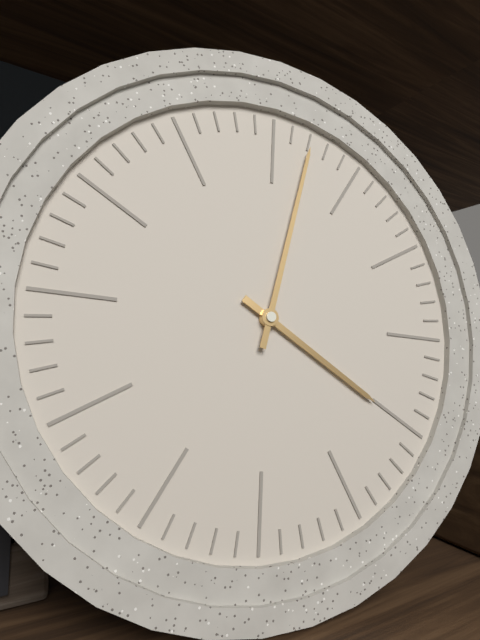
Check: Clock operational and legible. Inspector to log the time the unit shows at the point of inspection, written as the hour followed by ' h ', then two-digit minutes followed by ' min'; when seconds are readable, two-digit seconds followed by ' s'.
4 h 02 min
